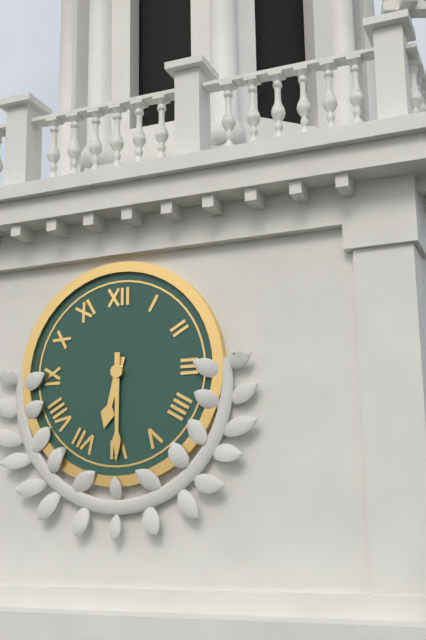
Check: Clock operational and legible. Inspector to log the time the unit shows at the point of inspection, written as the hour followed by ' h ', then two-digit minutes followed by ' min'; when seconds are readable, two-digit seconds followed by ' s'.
6 h 30 min
